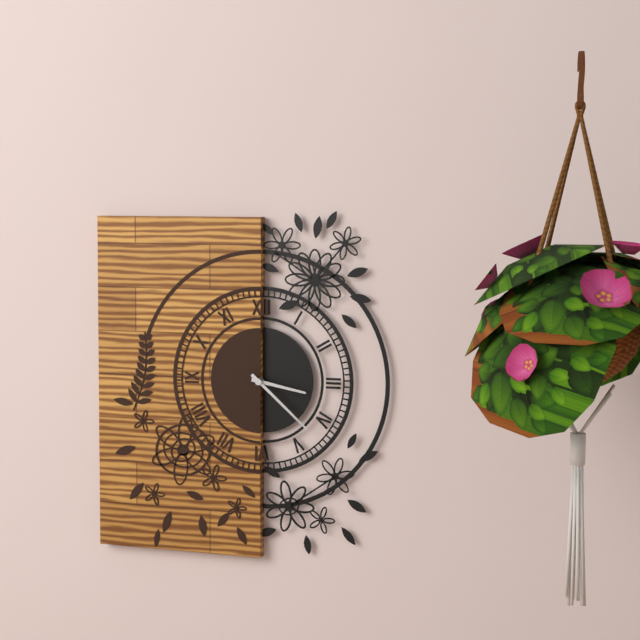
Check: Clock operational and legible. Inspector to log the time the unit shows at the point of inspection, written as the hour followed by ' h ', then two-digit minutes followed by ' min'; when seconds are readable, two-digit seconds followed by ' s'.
3 h 22 min
